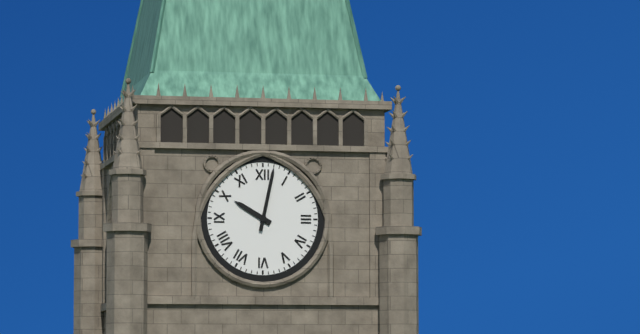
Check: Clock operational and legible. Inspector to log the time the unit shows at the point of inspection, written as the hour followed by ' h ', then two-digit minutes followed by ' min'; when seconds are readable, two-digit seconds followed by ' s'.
10 h 02 min
